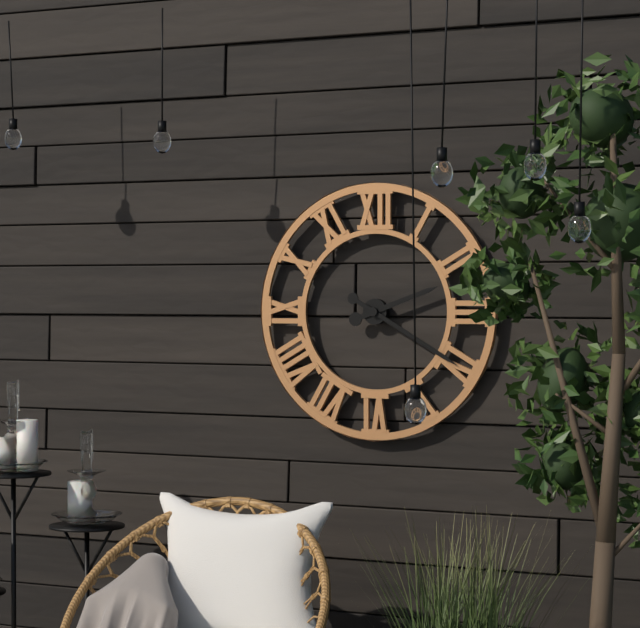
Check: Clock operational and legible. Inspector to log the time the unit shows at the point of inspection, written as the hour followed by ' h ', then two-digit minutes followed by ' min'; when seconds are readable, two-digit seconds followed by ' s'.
2 h 20 min
